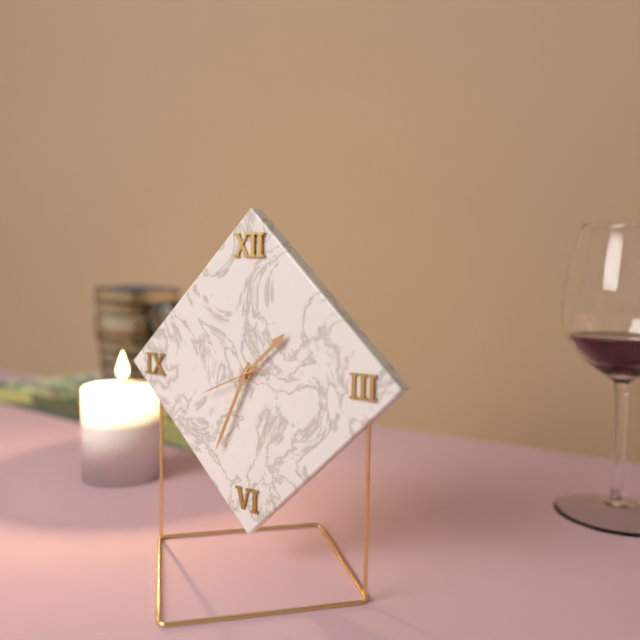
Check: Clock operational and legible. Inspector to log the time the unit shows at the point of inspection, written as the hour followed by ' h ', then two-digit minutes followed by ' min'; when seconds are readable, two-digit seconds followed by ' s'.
1 h 34 min 41 s
